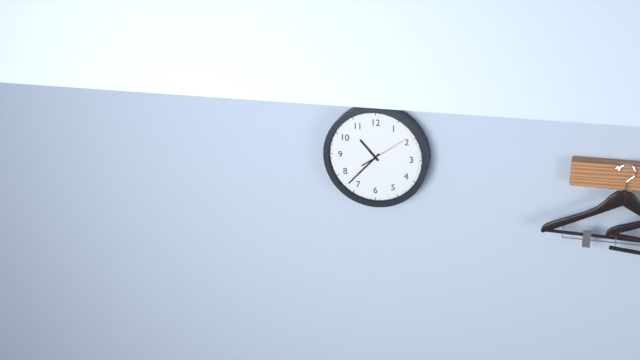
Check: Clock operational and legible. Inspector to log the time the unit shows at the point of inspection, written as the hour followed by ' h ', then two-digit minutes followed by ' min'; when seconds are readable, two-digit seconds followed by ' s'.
10 h 37 min
